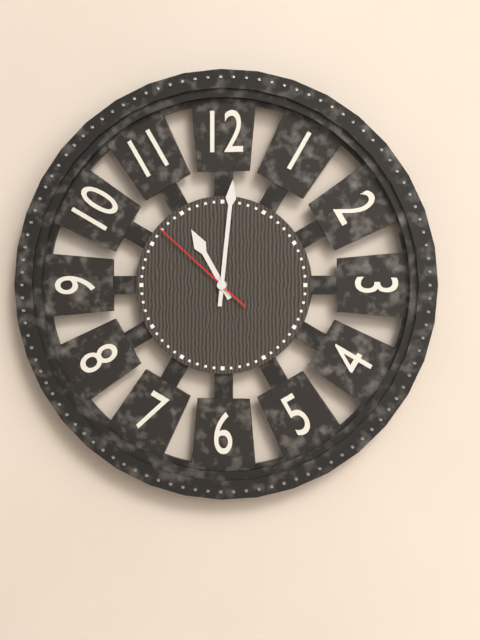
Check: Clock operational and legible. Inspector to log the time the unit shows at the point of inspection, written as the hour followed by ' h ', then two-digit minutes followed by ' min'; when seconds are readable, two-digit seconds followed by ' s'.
11 h 01 min 52 s
